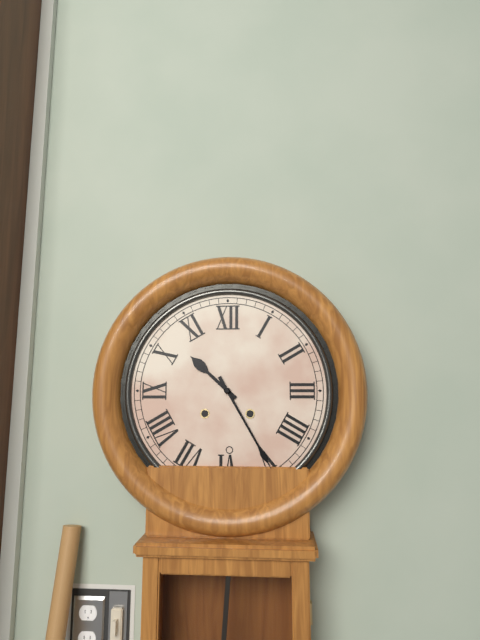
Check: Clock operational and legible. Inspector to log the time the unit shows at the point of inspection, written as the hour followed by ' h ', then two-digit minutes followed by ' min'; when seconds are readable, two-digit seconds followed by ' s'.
10 h 25 min
